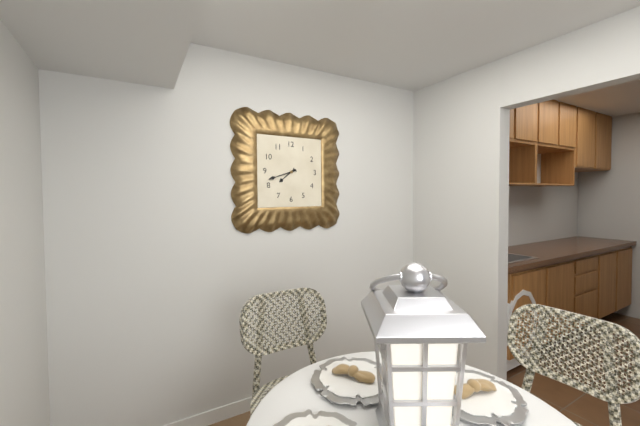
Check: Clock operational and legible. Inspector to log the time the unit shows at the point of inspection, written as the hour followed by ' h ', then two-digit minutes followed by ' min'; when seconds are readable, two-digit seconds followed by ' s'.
7 h 42 min
